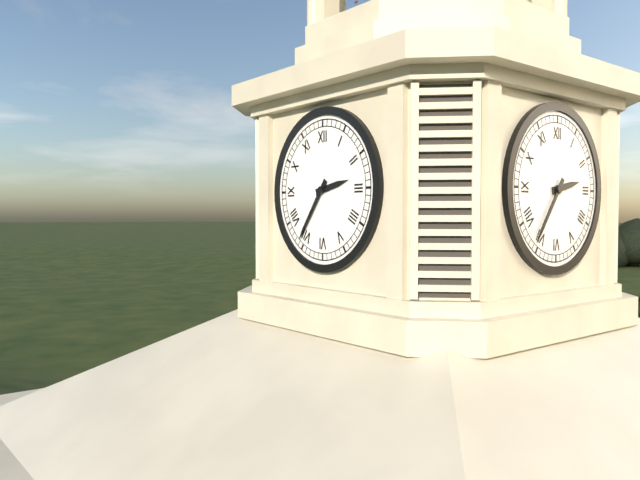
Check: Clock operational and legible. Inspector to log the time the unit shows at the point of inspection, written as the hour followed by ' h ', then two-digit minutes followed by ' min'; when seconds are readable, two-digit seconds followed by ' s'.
2 h 36 min
